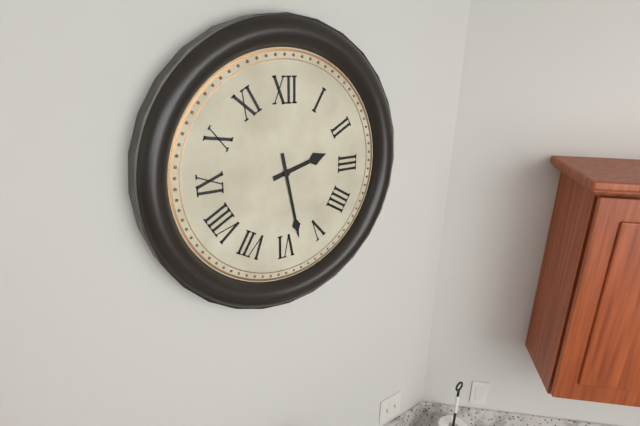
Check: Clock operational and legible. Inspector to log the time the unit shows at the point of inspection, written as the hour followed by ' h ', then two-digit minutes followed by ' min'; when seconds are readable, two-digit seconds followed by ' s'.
2 h 28 min
